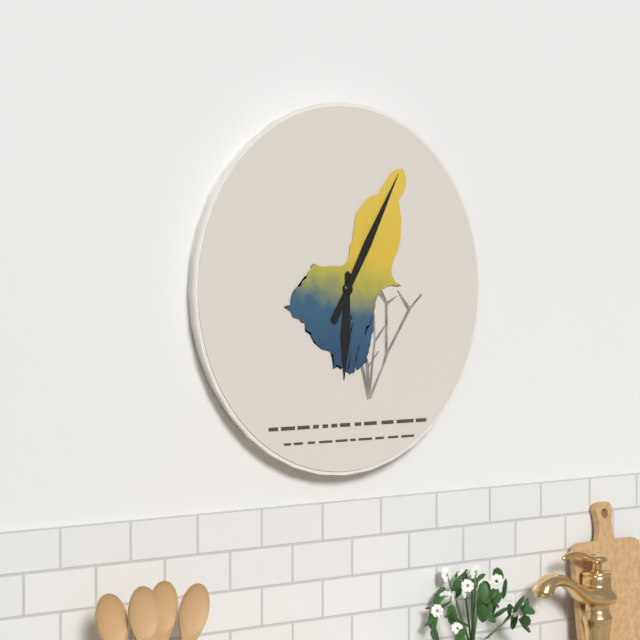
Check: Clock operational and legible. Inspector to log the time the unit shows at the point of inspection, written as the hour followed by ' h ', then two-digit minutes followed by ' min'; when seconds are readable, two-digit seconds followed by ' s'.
6 h 05 min
